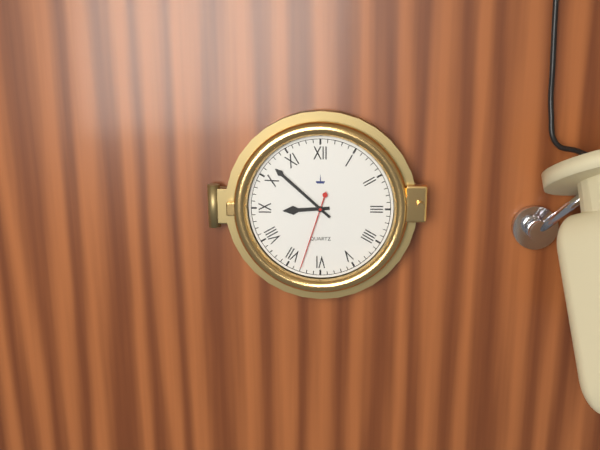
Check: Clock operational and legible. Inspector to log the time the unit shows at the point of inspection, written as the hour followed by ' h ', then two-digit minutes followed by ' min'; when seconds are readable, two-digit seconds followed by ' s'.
8 h 52 min 33 s
